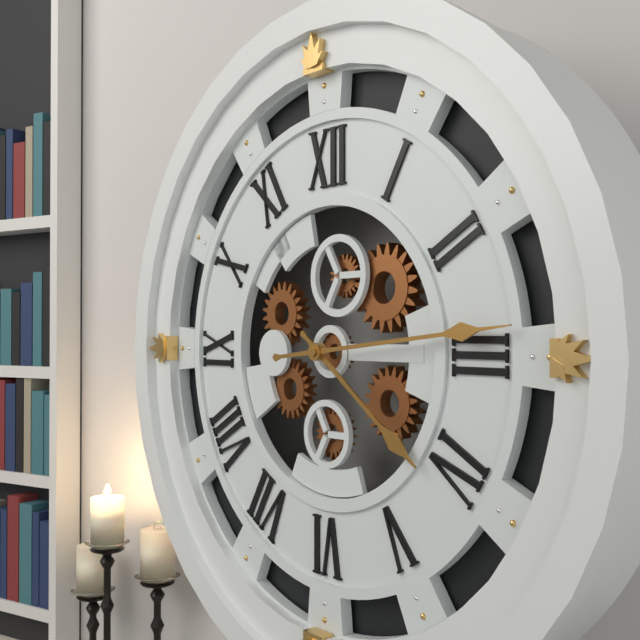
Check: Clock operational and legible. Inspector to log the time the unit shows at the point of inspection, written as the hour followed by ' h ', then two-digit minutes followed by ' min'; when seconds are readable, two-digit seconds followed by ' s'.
4 h 14 min
